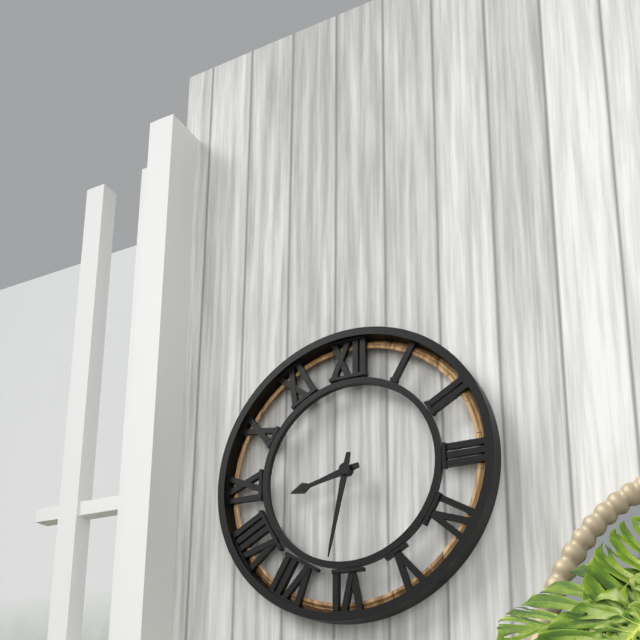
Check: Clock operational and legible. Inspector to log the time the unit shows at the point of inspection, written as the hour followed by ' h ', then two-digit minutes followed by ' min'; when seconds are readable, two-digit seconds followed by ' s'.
8 h 32 min
